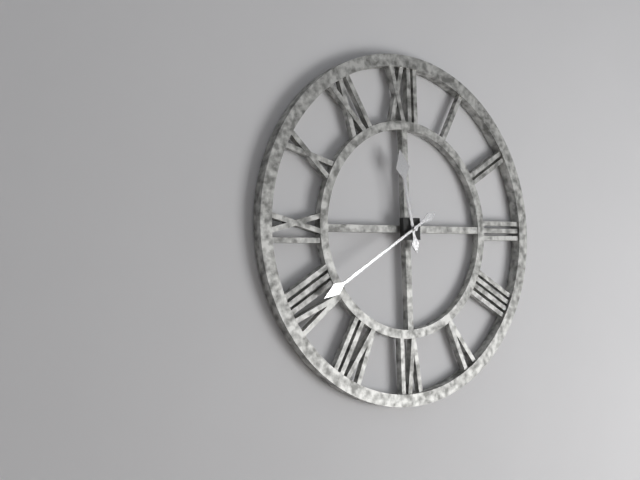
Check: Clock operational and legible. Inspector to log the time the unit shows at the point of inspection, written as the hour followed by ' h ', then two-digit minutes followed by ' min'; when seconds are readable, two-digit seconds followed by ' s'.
11 h 40 min
